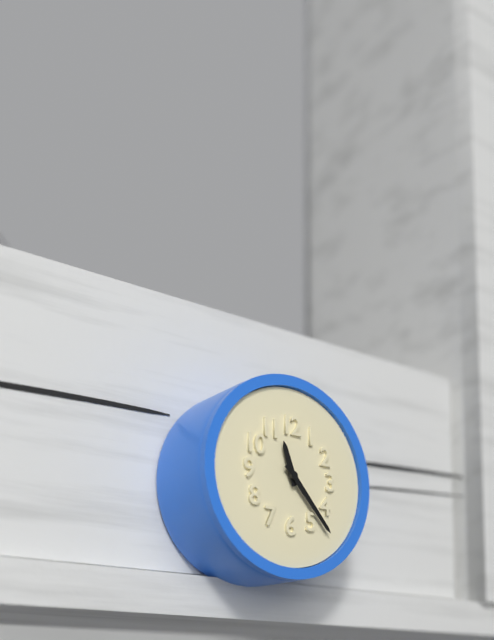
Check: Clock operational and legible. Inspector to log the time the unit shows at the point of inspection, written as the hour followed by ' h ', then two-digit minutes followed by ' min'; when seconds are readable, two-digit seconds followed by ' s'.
11 h 23 min
